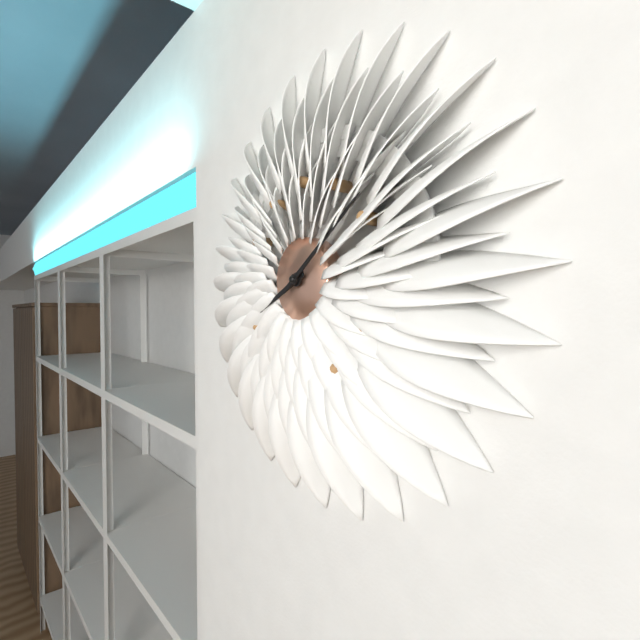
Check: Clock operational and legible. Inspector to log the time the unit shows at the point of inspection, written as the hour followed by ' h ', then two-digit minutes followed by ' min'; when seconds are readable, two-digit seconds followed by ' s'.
8 h 09 min
